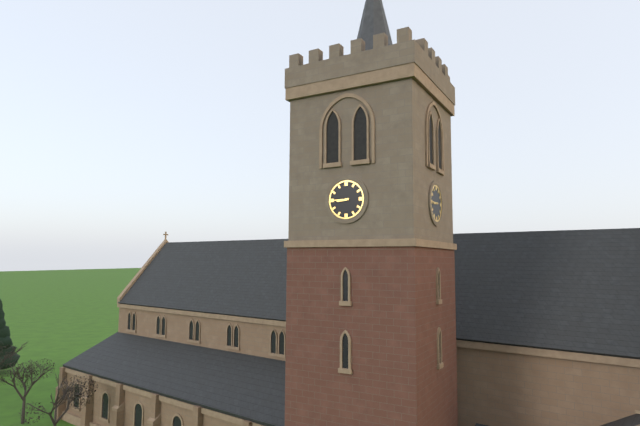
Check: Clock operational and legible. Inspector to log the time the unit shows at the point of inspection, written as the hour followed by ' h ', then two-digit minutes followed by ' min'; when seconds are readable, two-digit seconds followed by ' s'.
8 h 45 min
